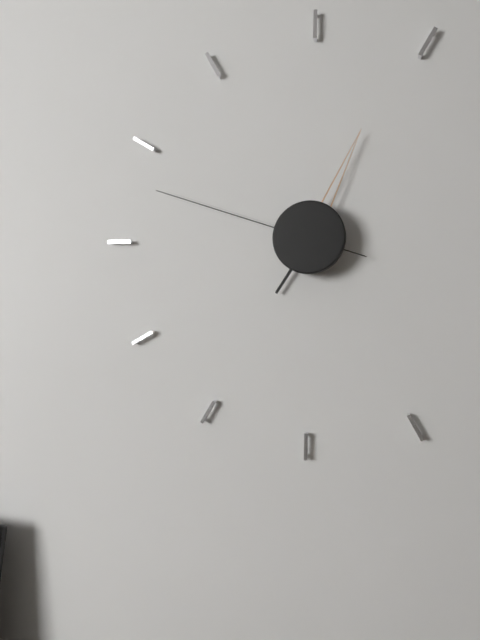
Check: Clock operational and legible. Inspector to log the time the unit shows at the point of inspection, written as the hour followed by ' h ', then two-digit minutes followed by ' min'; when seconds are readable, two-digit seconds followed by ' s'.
7 h 04 min 48 s
